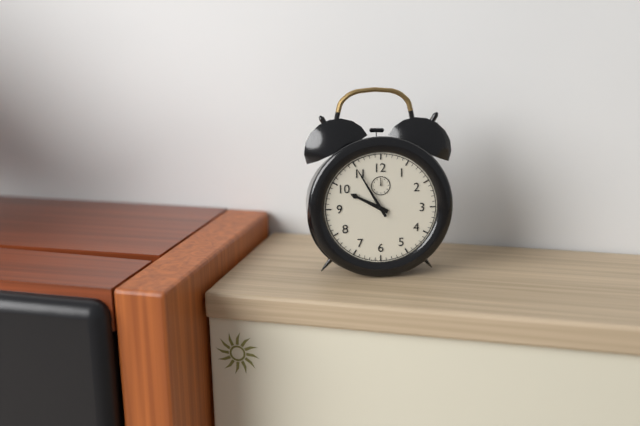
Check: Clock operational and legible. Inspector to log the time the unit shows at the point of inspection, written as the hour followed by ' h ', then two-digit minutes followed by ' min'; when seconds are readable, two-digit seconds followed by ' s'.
9 h 55 min
